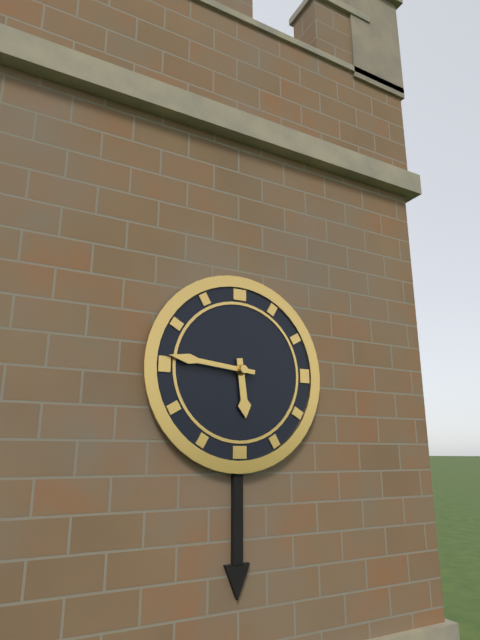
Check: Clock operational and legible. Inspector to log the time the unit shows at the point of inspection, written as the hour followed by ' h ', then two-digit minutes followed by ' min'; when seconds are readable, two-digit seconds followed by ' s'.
5 h 46 min
